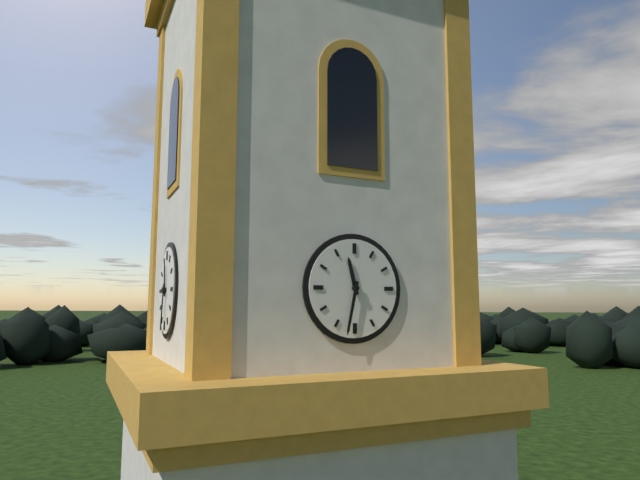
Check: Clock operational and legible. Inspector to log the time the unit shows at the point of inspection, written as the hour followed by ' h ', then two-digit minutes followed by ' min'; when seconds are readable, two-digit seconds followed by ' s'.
11 h 32 min
